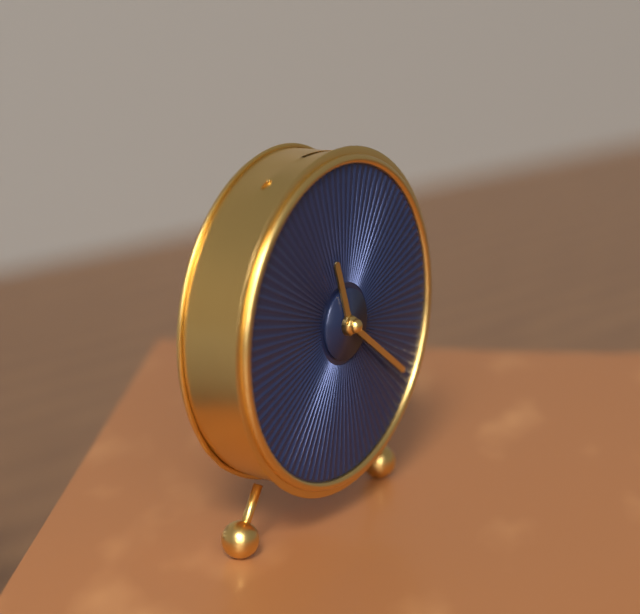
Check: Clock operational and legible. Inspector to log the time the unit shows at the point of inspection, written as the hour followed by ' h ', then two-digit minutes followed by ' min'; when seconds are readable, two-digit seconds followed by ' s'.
11 h 21 min
